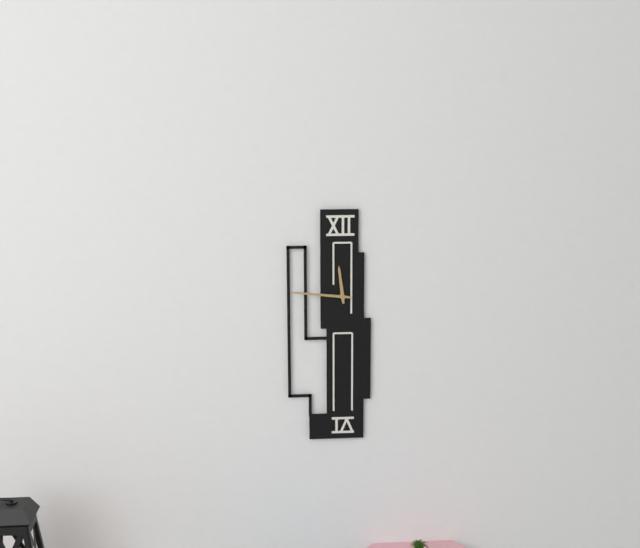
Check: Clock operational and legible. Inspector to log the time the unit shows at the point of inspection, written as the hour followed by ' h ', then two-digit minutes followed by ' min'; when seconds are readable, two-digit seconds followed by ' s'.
11 h 46 min
